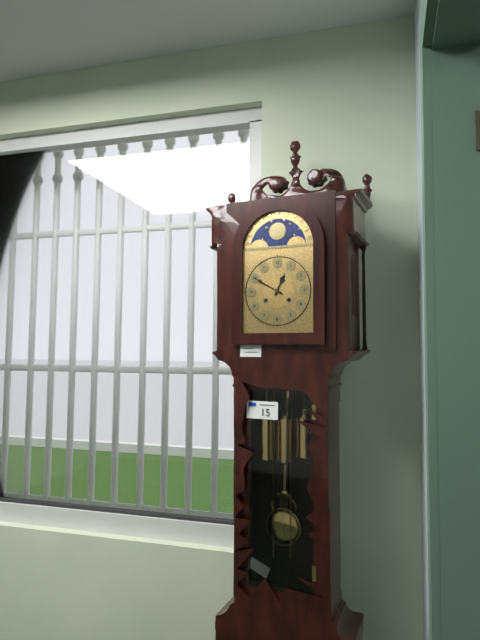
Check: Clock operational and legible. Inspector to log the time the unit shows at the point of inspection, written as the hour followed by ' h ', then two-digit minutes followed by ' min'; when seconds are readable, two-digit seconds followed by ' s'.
12 h 50 min
